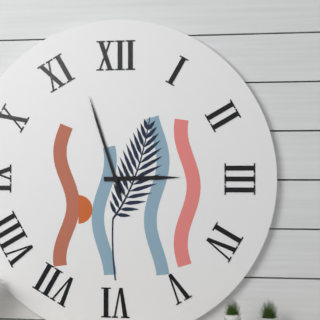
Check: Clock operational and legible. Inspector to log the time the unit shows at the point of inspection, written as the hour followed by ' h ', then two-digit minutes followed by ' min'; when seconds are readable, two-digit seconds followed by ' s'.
2 h 57 min
